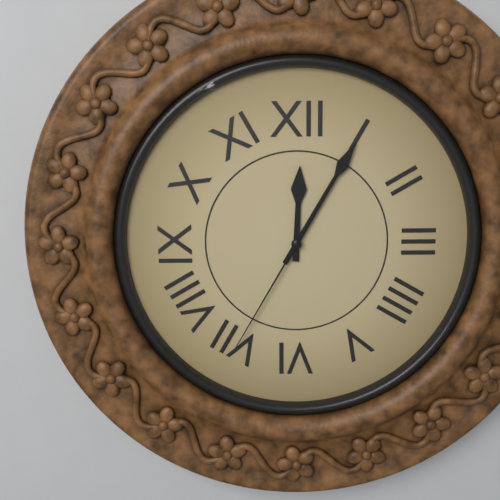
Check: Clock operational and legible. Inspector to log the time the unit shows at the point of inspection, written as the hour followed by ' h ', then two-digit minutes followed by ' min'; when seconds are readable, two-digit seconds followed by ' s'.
12 h 05 min 35 s
